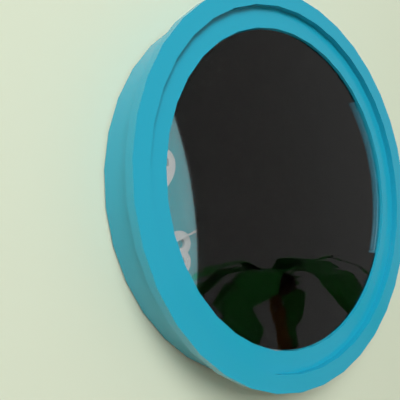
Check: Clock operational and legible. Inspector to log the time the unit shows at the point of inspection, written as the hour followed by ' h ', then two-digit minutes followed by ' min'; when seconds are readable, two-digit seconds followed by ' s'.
8 h 53 min 41 s
